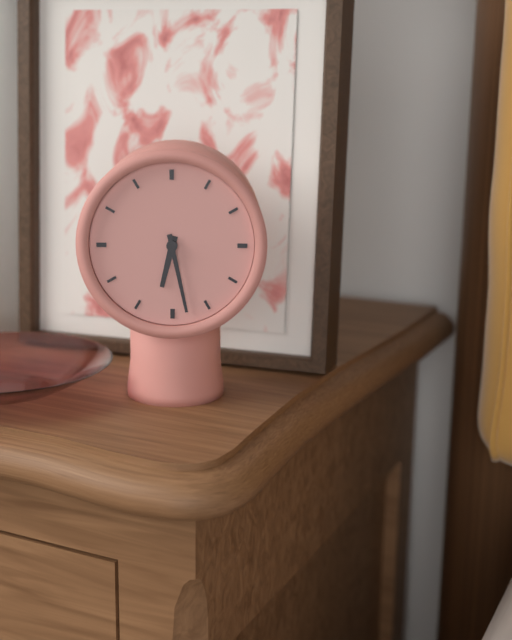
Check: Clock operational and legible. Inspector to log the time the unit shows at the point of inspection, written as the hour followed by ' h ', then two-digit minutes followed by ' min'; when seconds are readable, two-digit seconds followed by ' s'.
6 h 28 min
